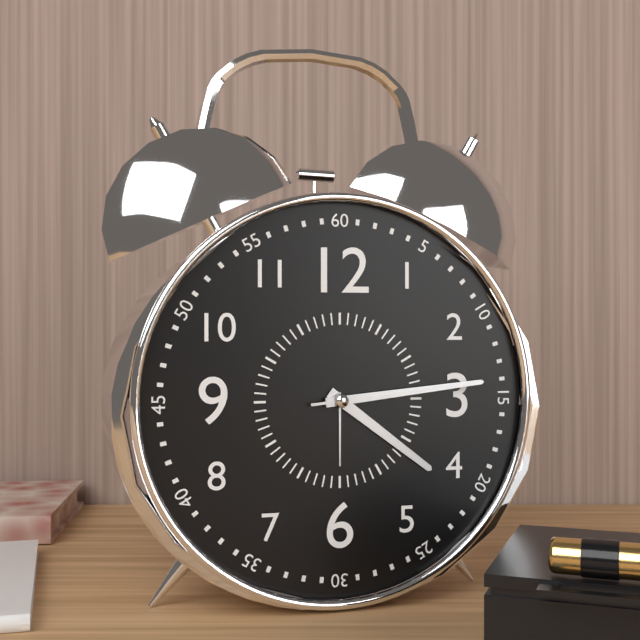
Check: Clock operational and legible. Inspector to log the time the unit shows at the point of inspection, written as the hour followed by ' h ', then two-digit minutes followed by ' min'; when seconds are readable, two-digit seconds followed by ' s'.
4 h 14 min 14 s
